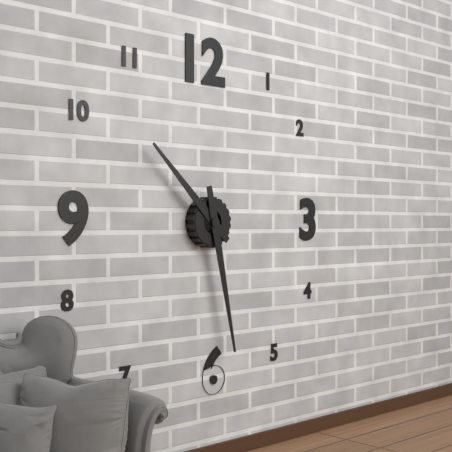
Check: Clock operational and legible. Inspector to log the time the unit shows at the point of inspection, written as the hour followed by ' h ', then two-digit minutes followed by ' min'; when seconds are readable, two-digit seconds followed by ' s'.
10 h 28 min
